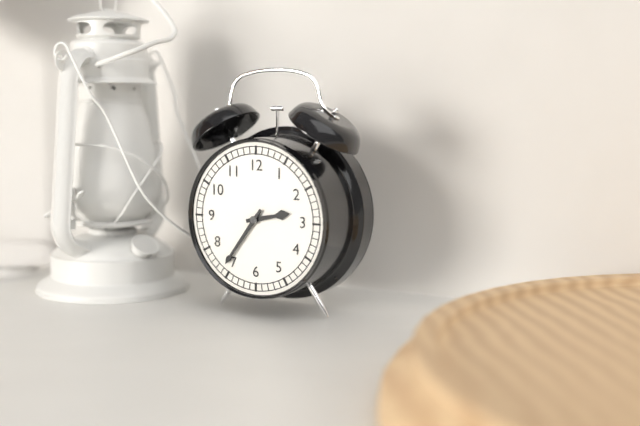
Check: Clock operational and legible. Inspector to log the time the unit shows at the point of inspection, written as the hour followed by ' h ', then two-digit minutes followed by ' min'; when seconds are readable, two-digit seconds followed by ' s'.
2 h 36 min
